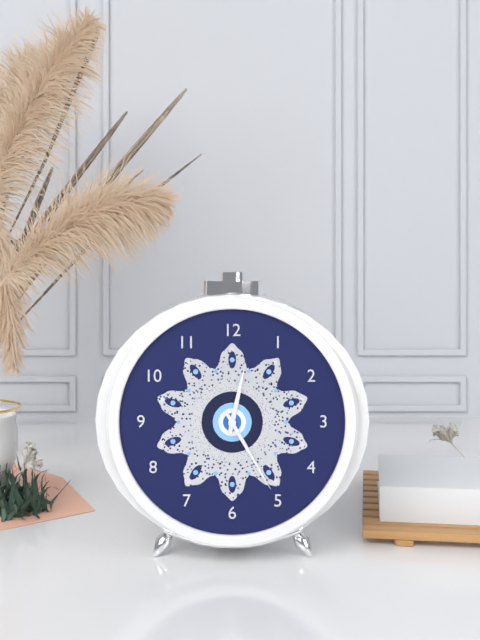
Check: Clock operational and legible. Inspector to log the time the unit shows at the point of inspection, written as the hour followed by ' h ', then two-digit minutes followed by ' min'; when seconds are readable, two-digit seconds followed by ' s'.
12 h 25 min
